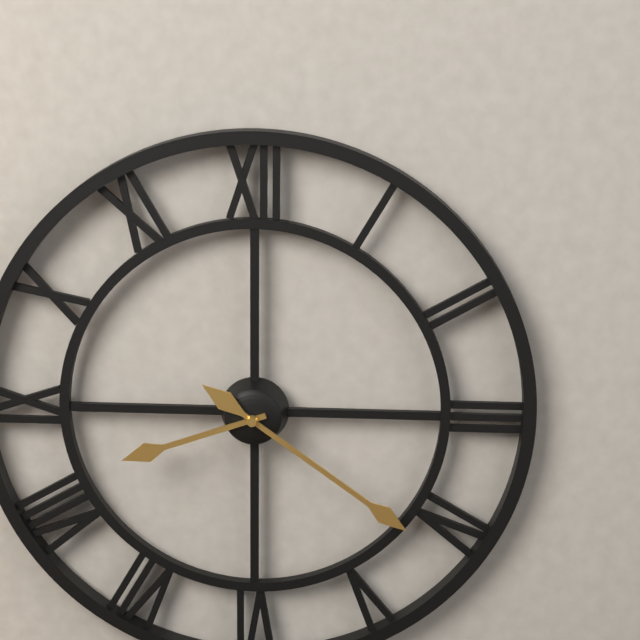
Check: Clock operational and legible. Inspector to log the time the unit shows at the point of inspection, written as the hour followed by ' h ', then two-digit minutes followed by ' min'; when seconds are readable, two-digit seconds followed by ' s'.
8 h 21 min
